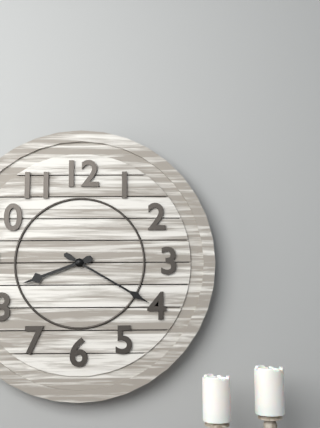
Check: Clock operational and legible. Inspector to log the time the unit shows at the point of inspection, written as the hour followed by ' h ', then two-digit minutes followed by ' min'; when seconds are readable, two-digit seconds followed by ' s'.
8 h 20 min
